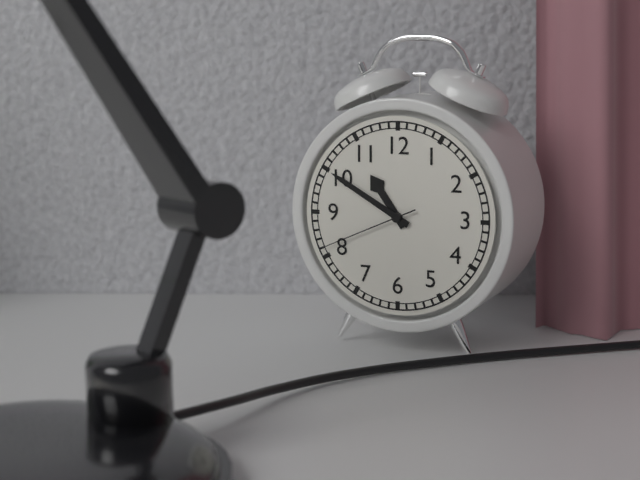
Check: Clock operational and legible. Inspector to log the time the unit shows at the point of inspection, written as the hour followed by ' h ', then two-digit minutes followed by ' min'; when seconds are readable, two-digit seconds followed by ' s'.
10 h 50 min 41 s
